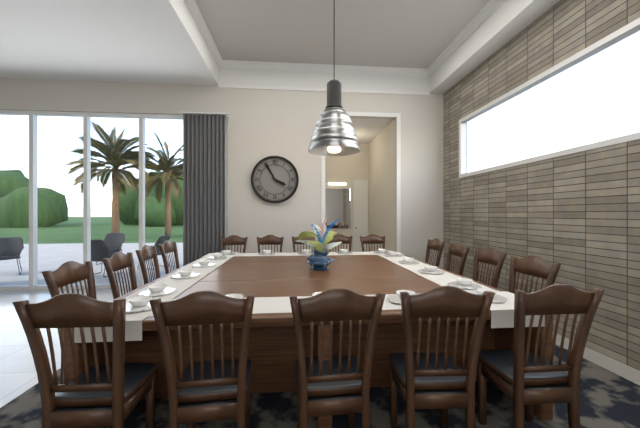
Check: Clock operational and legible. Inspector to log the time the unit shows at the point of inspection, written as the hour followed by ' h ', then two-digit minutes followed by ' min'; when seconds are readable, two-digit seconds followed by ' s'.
3 h 55 min
